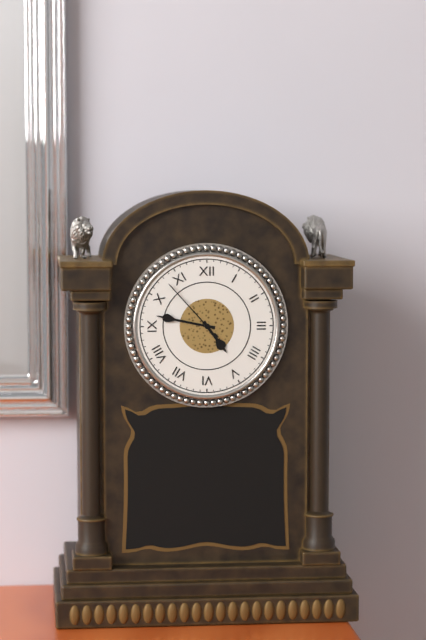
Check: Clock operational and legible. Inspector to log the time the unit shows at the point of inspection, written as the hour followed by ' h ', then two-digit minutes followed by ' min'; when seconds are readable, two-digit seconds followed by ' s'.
4 h 47 min 53 s
